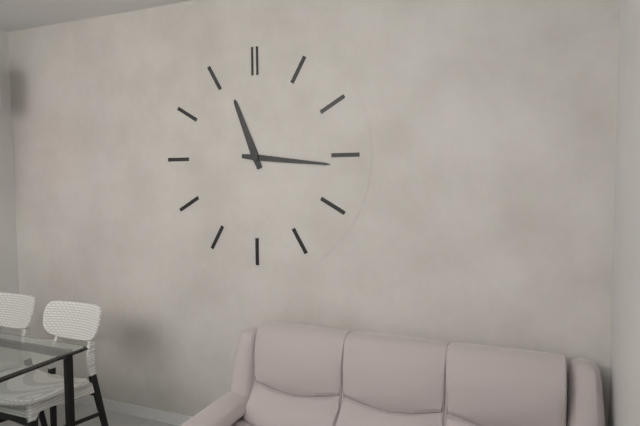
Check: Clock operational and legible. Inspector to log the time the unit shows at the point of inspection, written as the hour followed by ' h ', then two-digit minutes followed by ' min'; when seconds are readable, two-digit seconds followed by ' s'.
11 h 16 min
